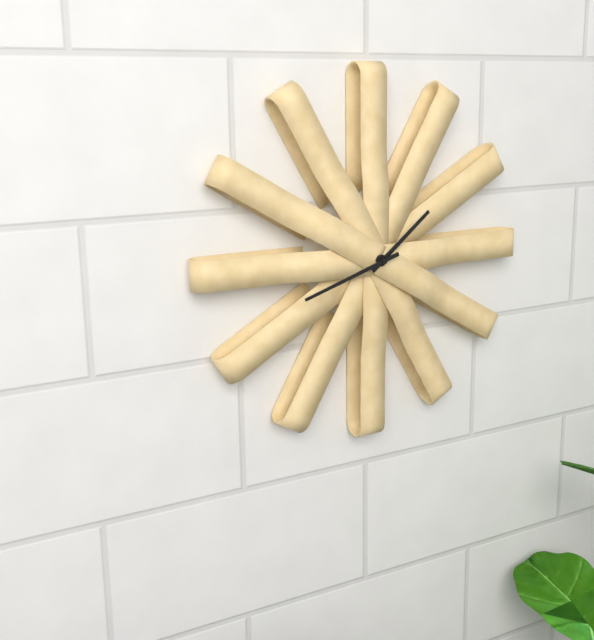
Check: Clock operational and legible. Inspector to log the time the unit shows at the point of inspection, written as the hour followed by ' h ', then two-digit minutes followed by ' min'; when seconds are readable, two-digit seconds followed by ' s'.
1 h 42 min
